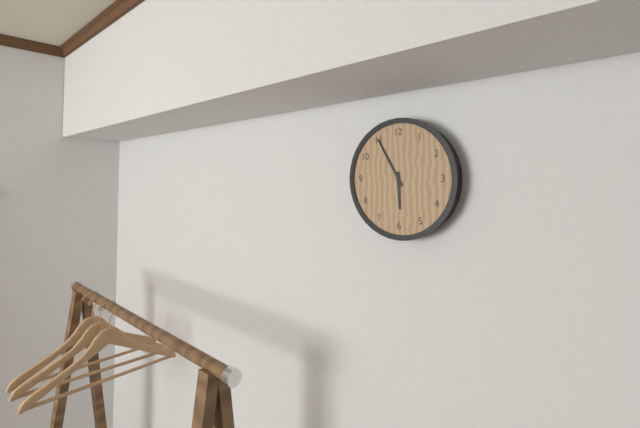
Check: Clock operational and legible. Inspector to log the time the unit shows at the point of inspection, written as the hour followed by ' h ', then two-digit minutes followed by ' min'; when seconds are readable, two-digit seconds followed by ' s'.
5 h 55 min
